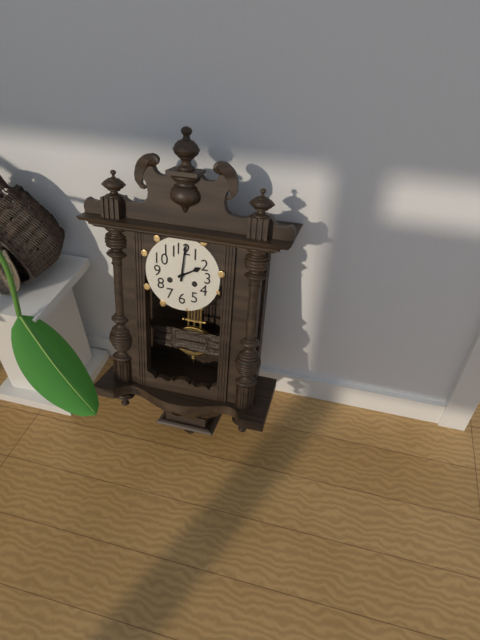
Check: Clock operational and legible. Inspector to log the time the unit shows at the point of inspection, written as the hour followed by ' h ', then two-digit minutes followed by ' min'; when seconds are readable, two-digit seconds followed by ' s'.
2 h 01 min
